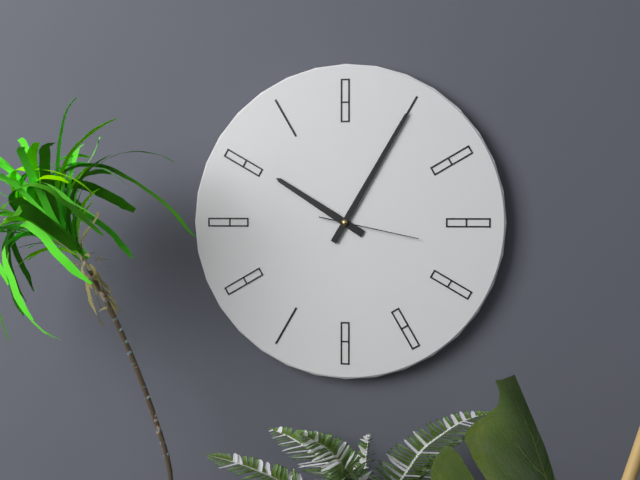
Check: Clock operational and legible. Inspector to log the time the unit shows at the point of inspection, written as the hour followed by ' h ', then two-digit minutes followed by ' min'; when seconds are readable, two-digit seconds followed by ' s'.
10 h 05 min 17 s
